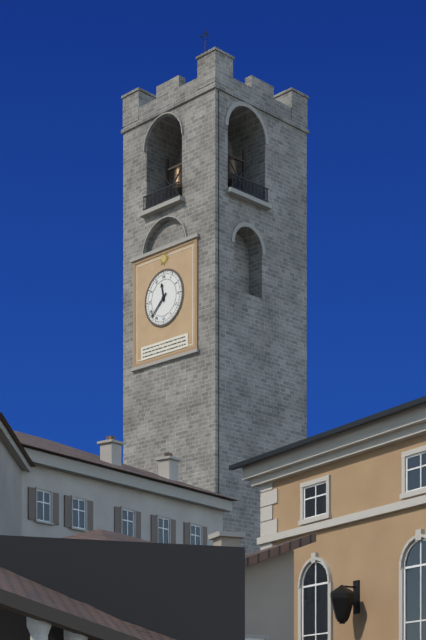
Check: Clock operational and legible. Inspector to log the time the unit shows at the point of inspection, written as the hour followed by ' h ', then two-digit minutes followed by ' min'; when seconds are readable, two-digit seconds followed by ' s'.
11 h 38 min
